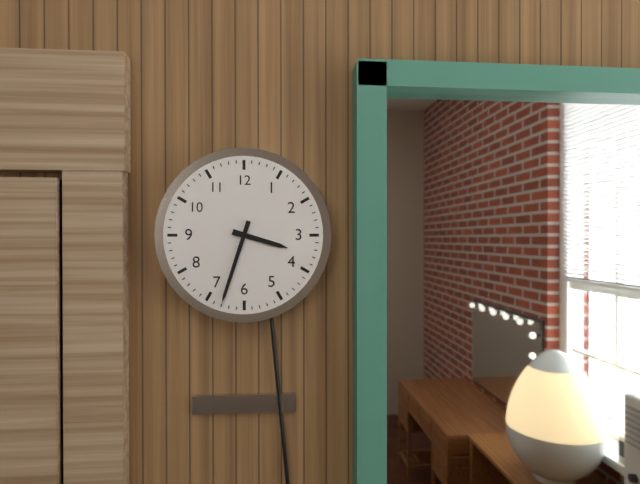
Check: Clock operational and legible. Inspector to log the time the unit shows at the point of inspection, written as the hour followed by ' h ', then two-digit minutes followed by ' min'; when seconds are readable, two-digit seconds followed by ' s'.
3 h 33 min
